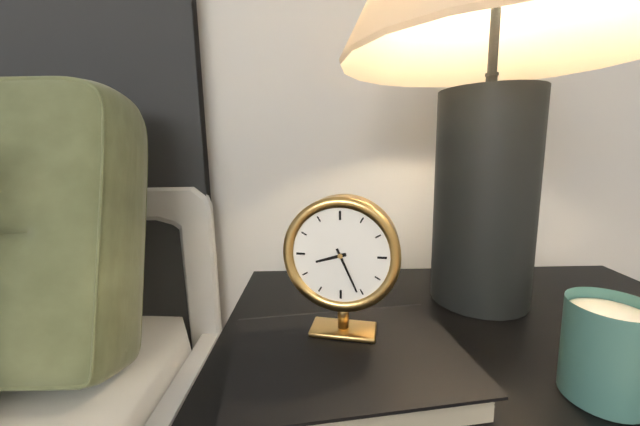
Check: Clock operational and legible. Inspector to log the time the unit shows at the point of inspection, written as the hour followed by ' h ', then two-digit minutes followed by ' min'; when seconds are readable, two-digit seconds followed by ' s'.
8 h 26 min
